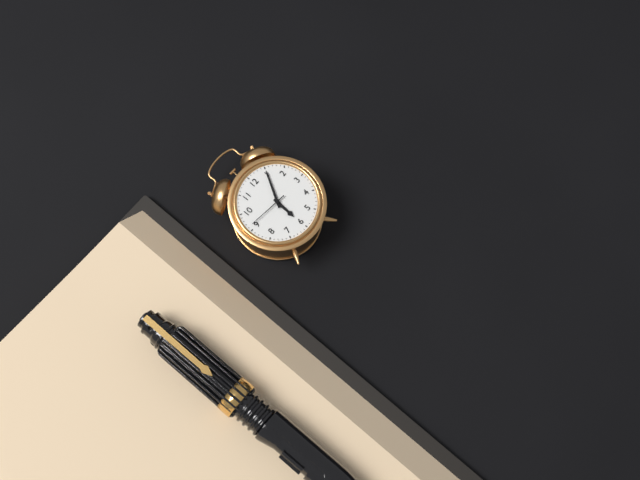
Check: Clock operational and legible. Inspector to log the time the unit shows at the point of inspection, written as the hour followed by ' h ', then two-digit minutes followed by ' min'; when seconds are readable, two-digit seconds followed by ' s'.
6 h 05 min
